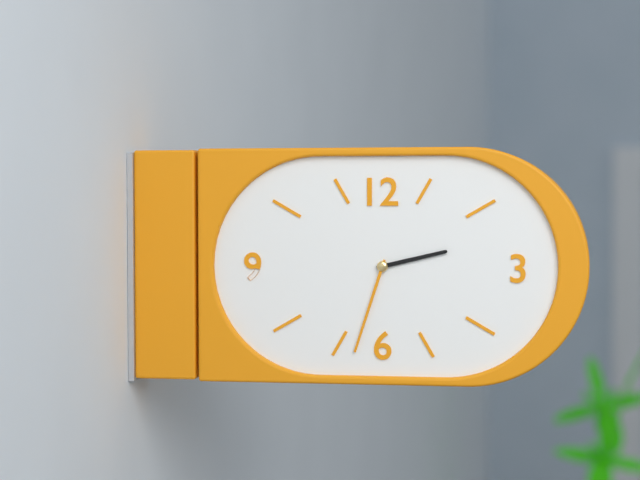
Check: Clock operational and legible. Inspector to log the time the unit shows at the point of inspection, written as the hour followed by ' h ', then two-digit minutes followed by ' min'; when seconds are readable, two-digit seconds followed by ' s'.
2 h 33 min
